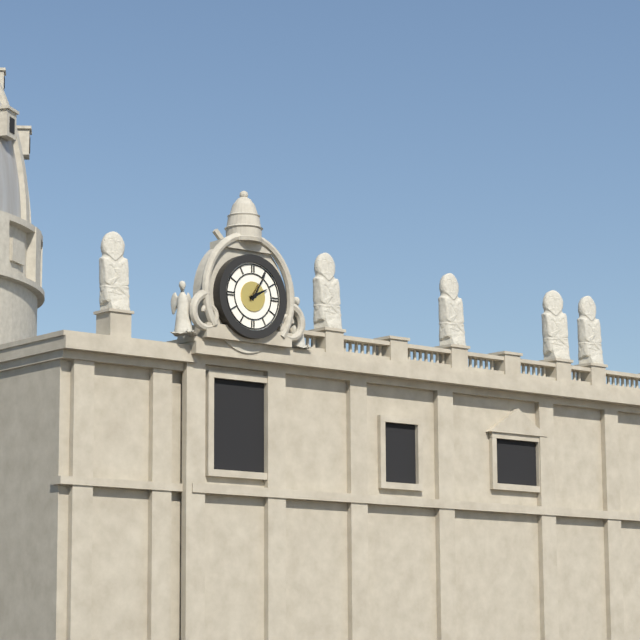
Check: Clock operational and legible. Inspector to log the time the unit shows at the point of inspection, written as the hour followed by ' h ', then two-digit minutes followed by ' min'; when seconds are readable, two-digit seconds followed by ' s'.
2 h 05 min
